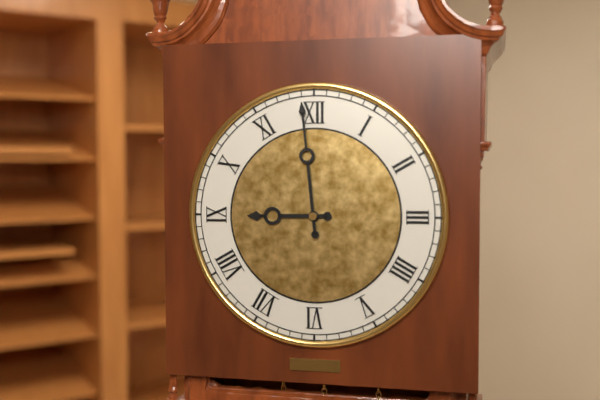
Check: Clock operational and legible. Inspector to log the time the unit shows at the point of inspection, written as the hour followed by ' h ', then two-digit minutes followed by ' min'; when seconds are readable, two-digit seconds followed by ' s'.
8 h 59 min
